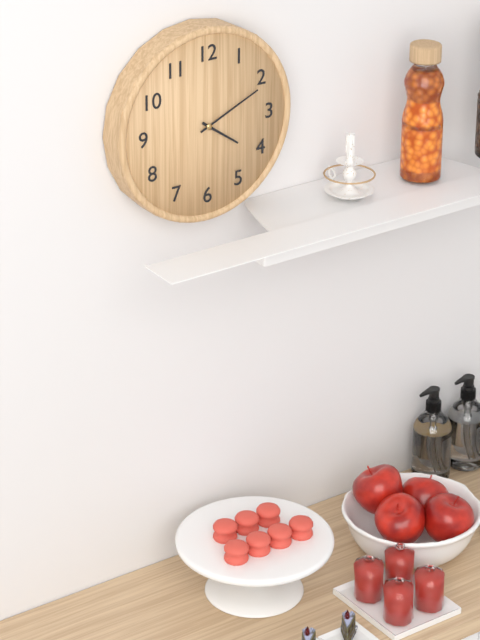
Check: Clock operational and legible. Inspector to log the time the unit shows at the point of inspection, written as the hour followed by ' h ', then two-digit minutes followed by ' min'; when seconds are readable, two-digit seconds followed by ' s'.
4 h 11 min
